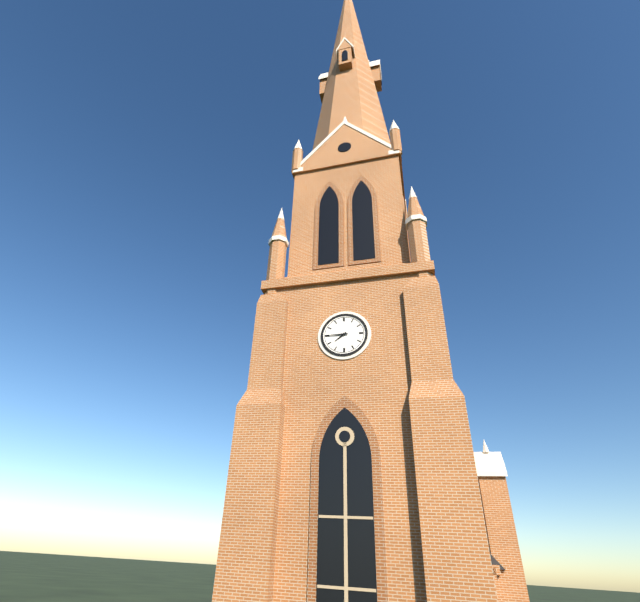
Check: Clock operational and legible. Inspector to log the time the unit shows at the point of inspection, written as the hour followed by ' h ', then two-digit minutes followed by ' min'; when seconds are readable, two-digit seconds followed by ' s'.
7 h 45 min
